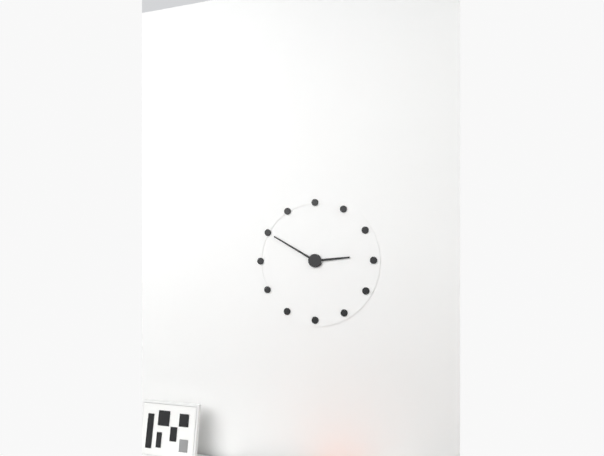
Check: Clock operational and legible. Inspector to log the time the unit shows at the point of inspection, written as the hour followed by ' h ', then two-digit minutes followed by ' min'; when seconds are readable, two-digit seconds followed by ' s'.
2 h 50 min
